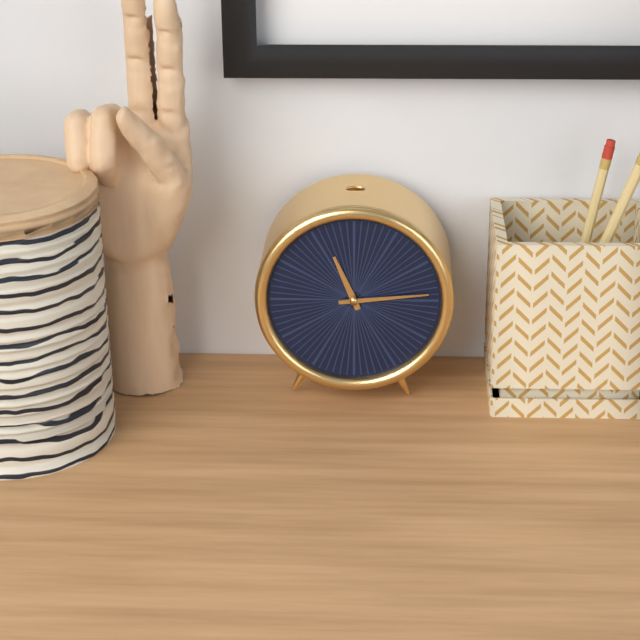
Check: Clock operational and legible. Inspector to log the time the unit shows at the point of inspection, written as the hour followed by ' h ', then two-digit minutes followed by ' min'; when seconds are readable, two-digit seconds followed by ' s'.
11 h 14 min
